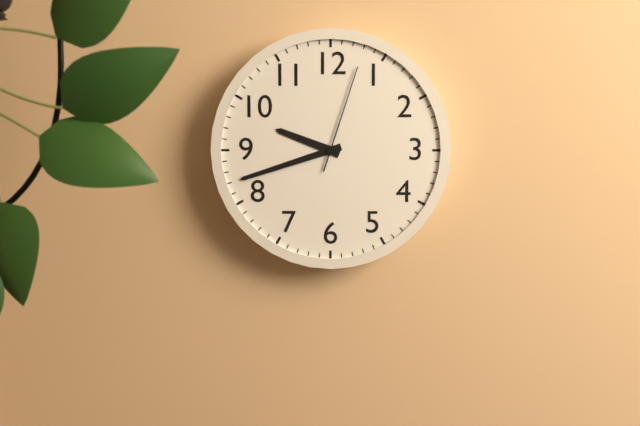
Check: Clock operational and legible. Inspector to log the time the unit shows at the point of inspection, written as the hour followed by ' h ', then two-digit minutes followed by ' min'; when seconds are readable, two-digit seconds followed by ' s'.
9 h 42 min 03 s
